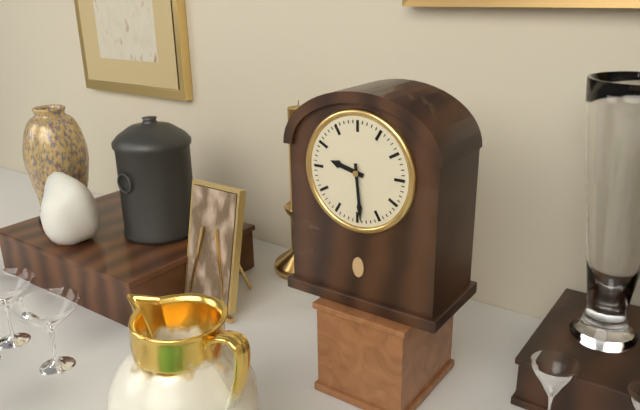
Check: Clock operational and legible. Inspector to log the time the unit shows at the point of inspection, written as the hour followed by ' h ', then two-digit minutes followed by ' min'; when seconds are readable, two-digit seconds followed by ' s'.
9 h 29 min
